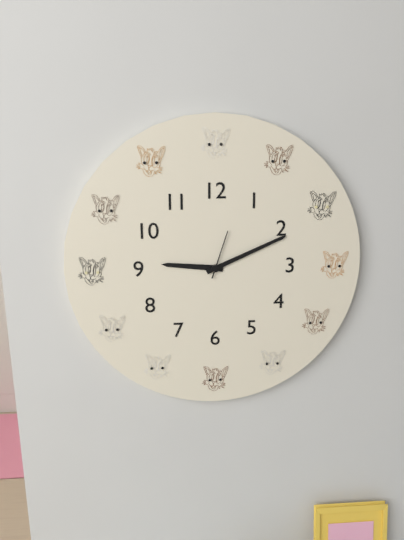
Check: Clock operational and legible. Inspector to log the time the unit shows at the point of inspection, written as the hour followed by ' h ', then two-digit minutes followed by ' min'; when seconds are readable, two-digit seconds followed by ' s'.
9 h 11 min
